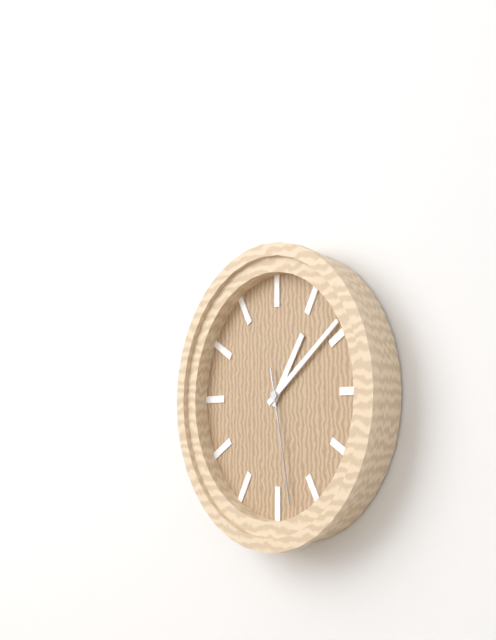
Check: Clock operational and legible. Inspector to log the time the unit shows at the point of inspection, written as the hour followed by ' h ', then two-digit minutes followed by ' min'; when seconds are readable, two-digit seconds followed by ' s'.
1 h 09 min 28 s
